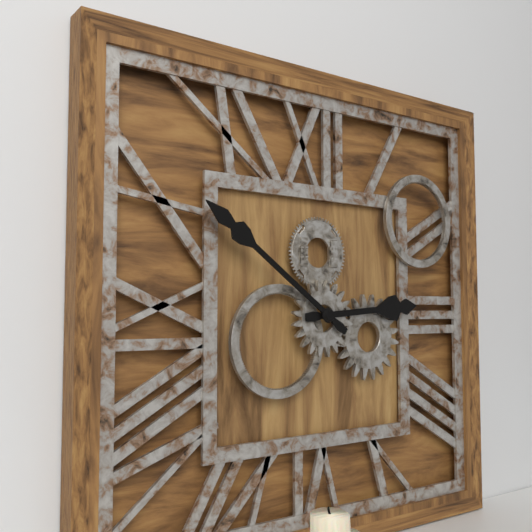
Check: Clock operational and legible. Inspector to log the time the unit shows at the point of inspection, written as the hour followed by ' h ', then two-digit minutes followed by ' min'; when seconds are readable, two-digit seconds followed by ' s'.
2 h 51 min
